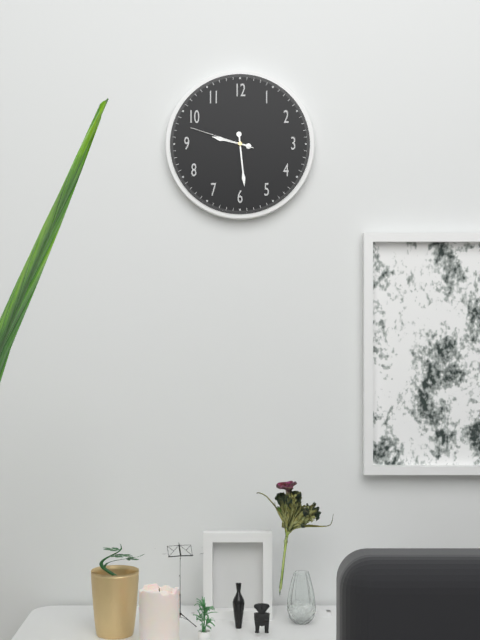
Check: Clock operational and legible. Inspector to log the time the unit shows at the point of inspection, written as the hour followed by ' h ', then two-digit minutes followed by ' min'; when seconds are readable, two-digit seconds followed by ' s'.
9 h 29 min 48 s
